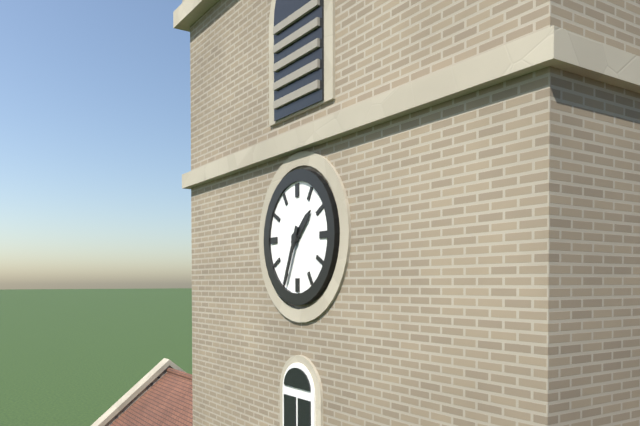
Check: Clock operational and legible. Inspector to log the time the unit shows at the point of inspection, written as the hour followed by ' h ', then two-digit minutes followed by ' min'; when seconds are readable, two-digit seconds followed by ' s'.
1 h 34 min
